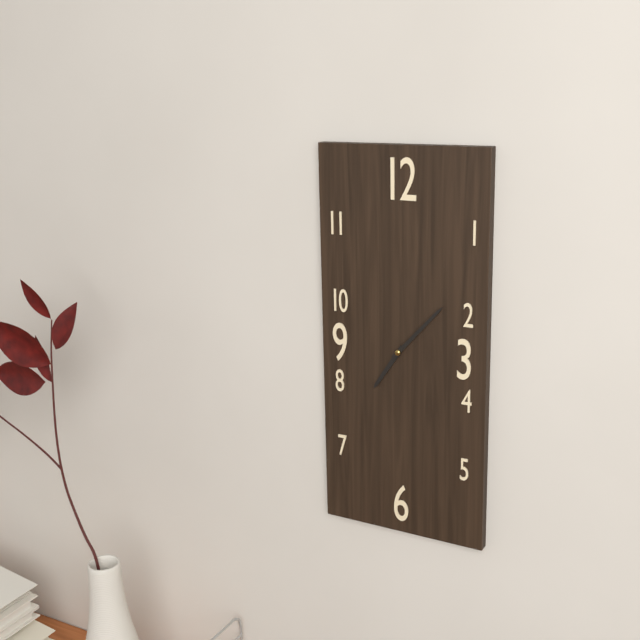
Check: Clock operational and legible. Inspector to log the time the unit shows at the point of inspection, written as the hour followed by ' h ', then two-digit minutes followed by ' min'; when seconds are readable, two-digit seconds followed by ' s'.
7 h 07 min
